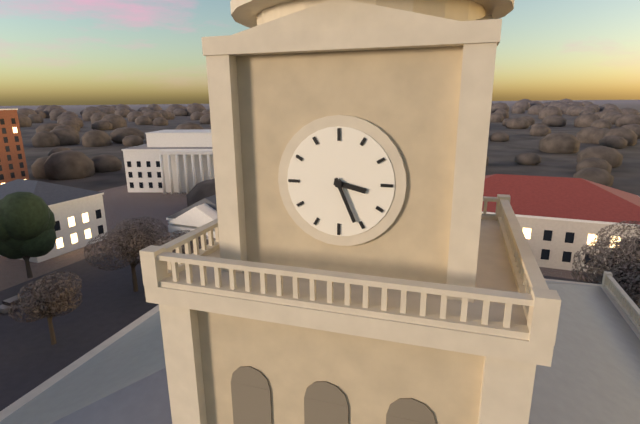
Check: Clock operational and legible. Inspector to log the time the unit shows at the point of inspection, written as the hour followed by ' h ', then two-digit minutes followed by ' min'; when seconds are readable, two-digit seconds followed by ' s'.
3 h 26 min
